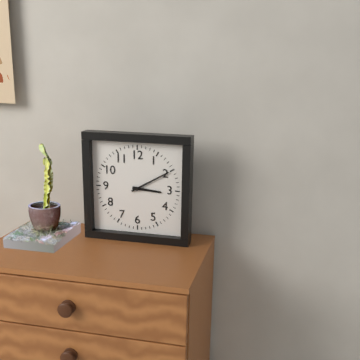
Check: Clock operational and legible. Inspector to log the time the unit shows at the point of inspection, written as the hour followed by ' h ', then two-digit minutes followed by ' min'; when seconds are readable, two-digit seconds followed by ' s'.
3 h 10 min
